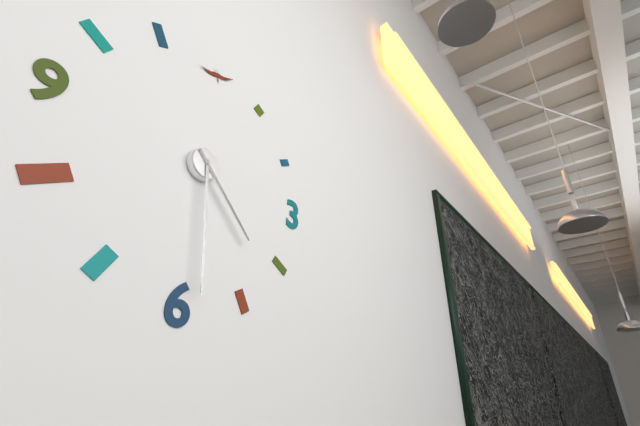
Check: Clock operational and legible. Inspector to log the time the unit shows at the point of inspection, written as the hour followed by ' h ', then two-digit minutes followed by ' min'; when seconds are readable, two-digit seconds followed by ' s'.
4 h 29 min
